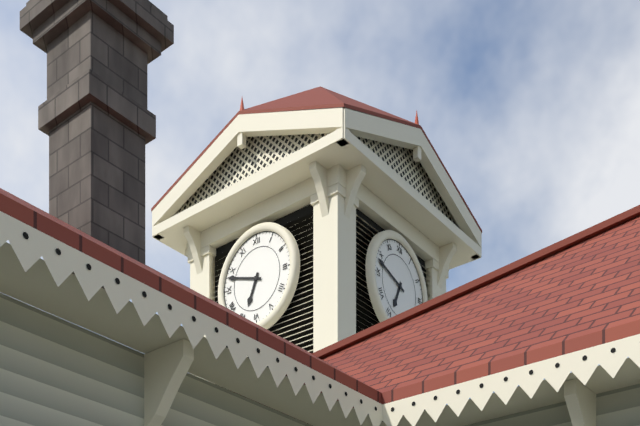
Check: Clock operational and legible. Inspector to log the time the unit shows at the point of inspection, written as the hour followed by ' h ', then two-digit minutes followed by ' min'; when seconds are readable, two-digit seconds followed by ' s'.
6 h 48 min
